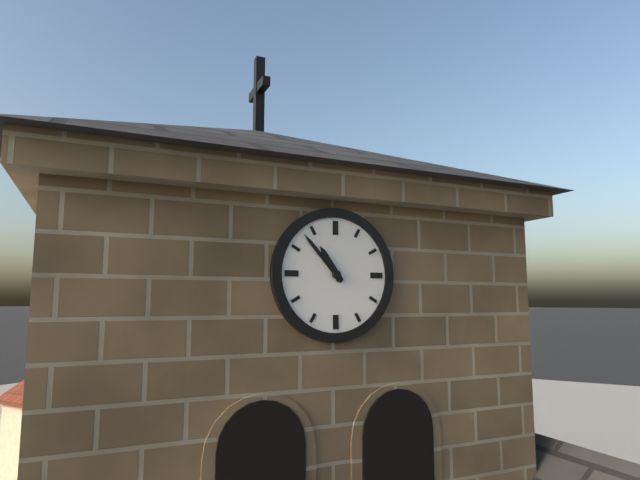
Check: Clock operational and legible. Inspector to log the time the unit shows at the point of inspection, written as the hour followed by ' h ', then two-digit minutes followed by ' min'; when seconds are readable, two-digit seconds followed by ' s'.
10 h 53 min
